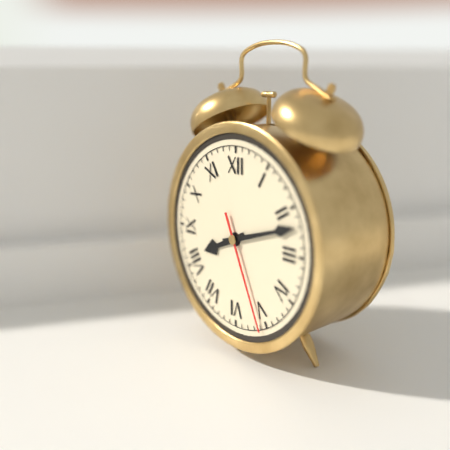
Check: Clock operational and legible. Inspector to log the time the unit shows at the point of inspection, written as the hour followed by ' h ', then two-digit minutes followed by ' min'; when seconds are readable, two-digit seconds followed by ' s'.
8 h 12 min 26 s
